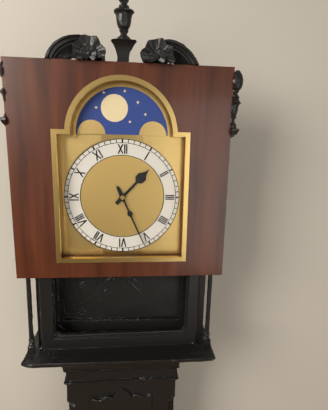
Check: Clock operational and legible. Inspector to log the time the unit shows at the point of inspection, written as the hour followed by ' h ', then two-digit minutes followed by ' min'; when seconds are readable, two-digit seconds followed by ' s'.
1 h 26 min
